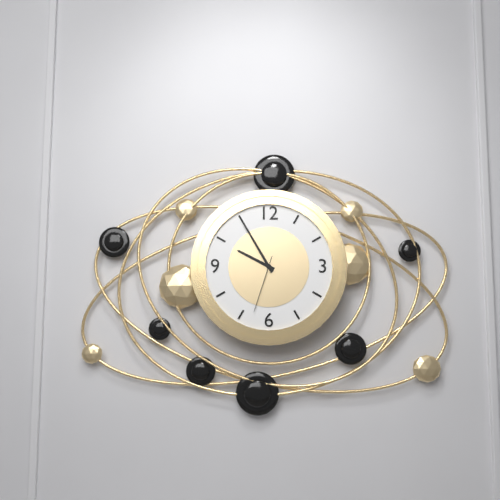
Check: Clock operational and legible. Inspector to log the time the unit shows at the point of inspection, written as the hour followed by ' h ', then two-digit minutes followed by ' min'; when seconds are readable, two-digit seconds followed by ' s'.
9 h 55 min 33 s
